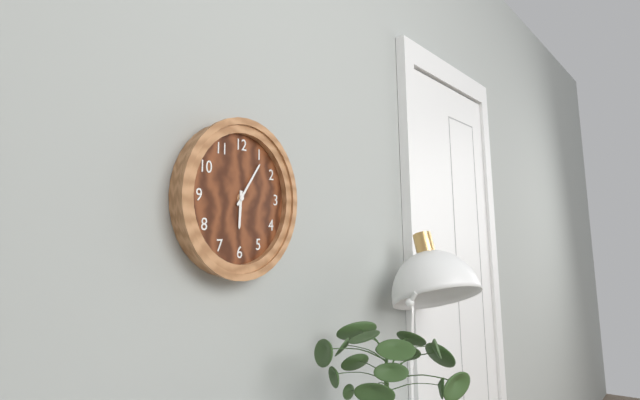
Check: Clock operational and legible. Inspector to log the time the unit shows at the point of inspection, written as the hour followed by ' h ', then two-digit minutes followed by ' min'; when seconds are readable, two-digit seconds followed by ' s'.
6 h 06 min
